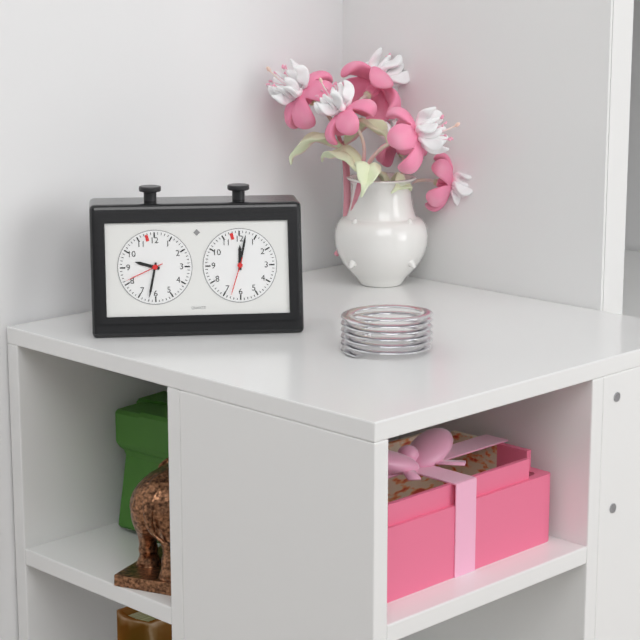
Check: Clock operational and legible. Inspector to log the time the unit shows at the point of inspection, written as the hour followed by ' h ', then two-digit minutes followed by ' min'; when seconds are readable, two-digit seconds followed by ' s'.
9 h 32 min
